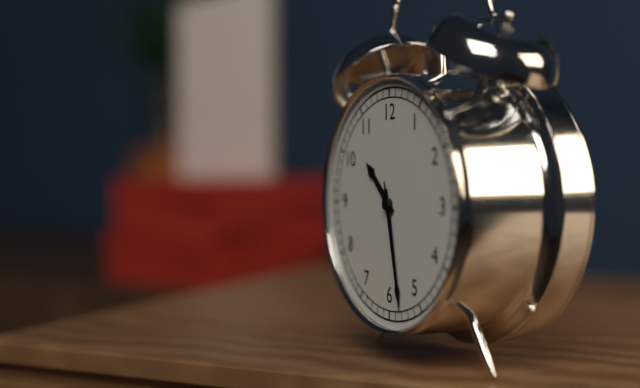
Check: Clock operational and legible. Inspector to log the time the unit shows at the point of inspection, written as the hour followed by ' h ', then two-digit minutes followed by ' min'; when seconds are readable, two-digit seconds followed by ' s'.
10 h 28 min 28 s
